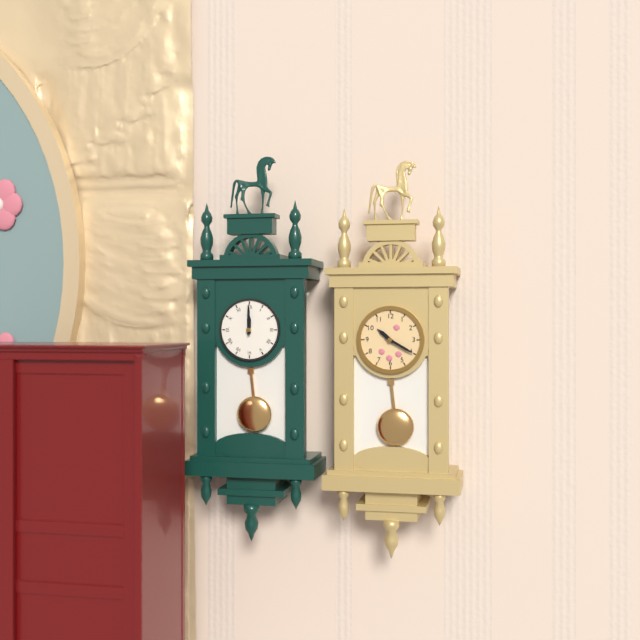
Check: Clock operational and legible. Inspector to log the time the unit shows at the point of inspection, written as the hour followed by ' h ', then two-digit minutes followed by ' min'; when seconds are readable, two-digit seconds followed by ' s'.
12 h 00 min
